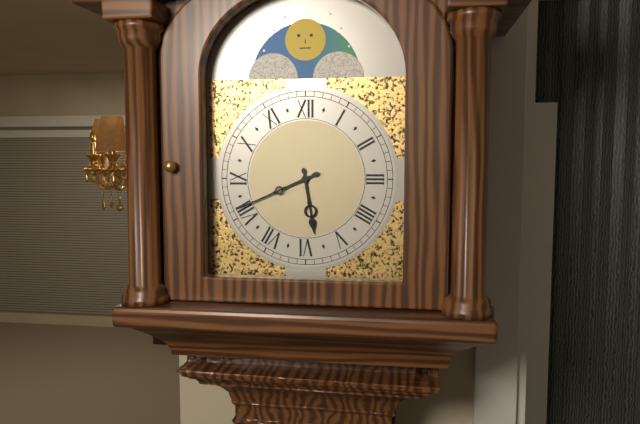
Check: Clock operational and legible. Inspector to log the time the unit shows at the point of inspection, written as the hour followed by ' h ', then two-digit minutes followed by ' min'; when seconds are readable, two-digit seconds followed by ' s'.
5 h 41 min
